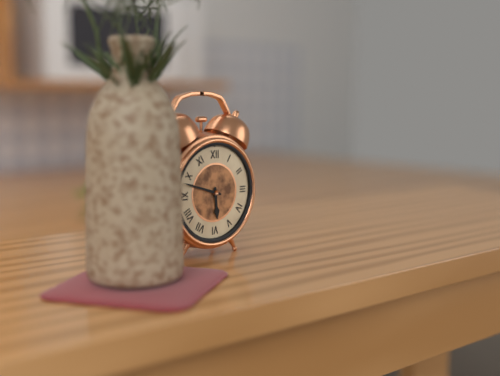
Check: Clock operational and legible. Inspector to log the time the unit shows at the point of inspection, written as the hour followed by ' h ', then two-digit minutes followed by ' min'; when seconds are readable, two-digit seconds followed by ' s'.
5 h 48 min
